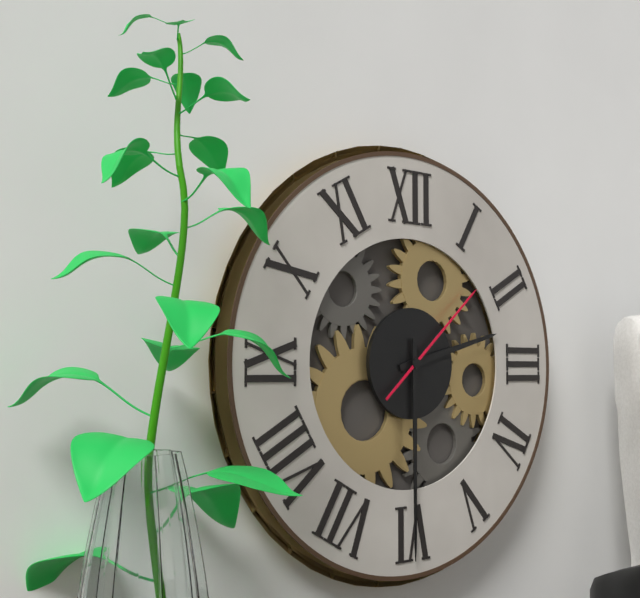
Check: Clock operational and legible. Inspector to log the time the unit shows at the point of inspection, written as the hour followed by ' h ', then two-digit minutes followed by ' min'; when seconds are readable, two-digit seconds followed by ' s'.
2 h 30 min 08 s
